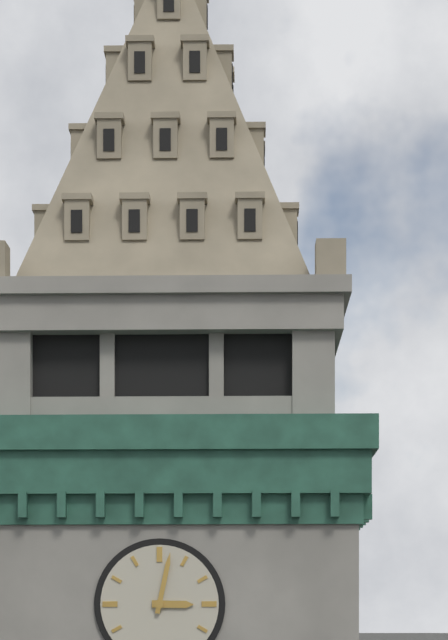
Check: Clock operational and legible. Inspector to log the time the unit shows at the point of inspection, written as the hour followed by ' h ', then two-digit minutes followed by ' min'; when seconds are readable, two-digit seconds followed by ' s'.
3 h 02 min
